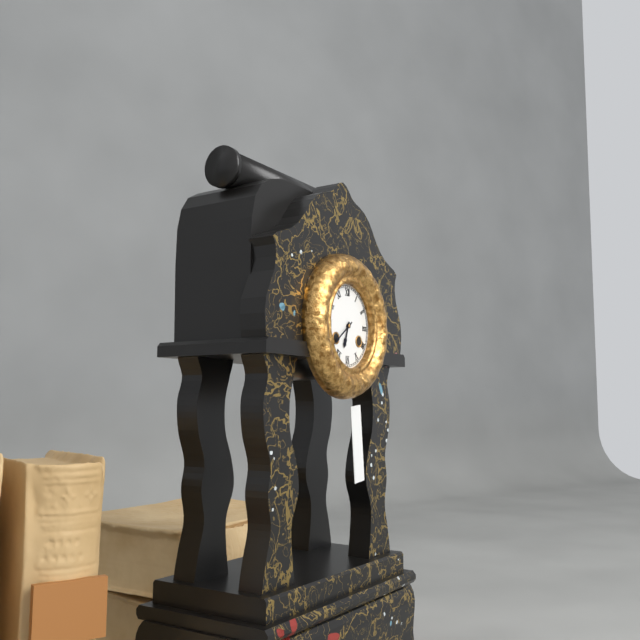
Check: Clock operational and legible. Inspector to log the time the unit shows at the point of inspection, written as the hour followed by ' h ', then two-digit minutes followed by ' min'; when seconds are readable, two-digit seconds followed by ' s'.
6 h 39 min
